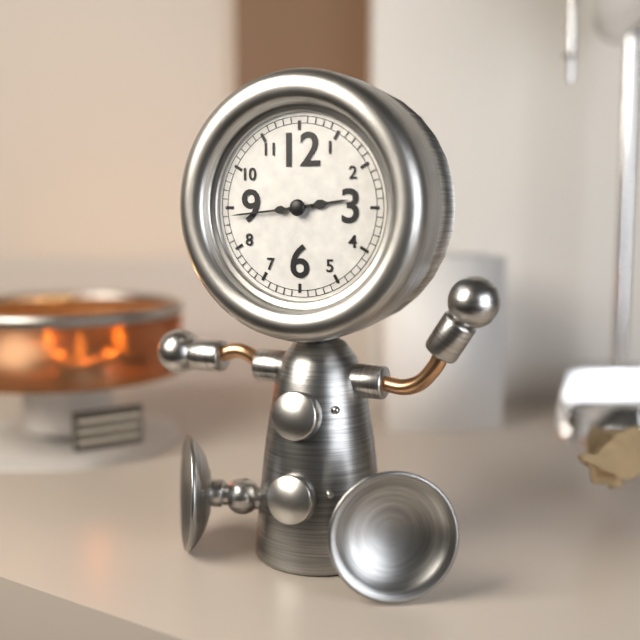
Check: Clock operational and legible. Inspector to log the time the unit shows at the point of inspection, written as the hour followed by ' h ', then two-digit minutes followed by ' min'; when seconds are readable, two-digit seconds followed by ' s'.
2 h 44 min
